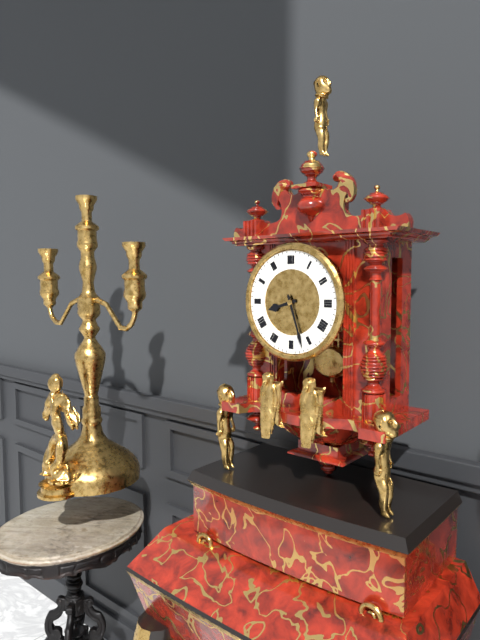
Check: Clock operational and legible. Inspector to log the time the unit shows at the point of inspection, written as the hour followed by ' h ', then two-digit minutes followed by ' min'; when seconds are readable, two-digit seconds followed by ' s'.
8 h 27 min
